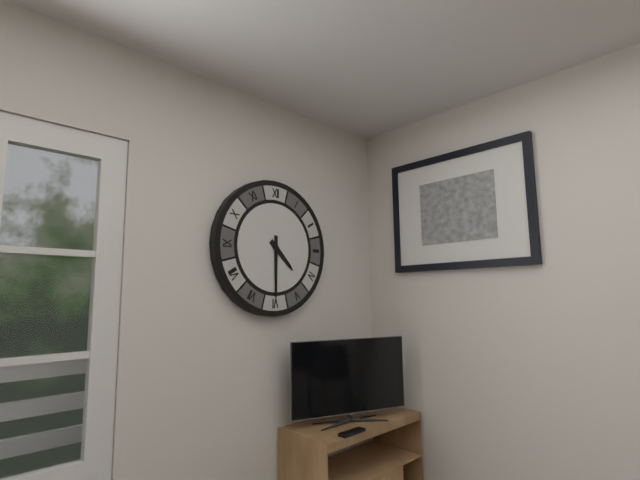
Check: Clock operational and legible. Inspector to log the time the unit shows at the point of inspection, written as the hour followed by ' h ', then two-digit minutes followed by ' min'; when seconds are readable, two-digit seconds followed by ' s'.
4 h 30 min
